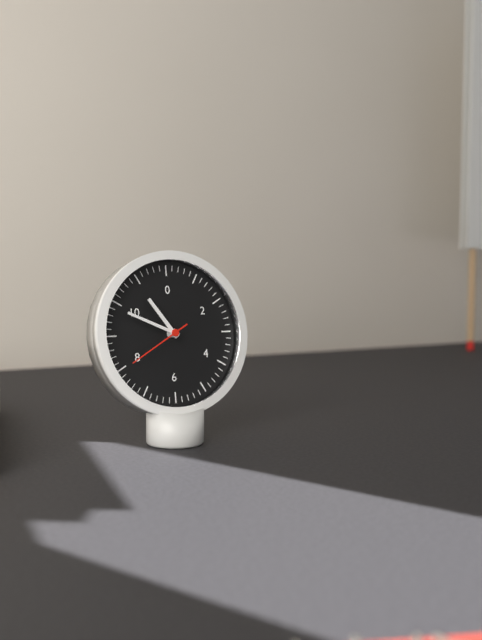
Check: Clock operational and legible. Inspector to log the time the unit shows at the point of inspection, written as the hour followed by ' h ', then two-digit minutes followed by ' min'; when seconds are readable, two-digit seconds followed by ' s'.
10 h 49 min 40 s
